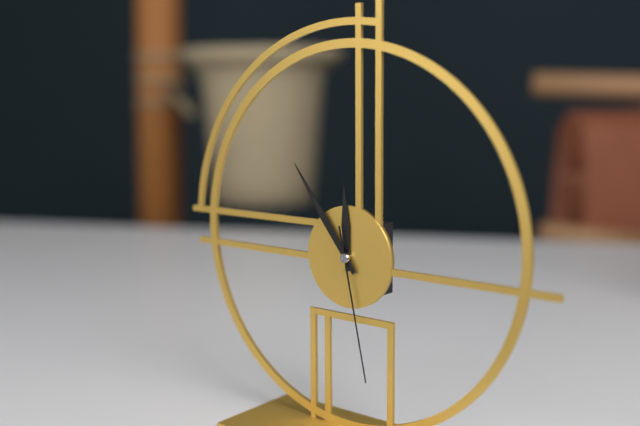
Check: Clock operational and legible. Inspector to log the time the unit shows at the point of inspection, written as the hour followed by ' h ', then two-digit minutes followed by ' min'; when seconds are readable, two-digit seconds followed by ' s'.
11 h 54 min 28 s
